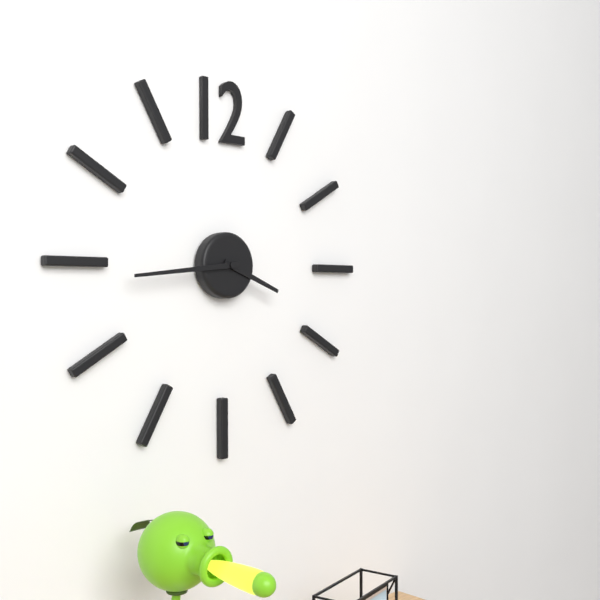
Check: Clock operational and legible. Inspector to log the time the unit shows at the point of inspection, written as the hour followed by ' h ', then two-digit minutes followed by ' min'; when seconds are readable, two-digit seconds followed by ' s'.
3 h 44 min
